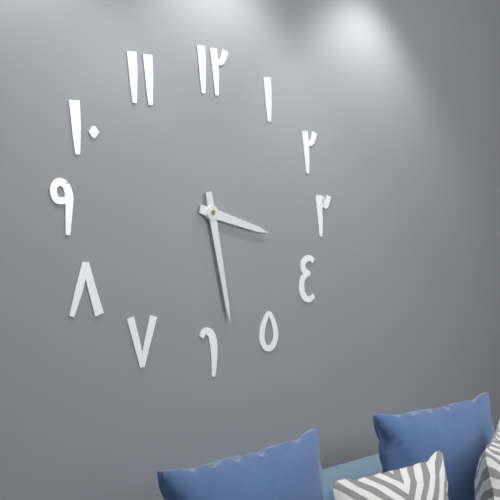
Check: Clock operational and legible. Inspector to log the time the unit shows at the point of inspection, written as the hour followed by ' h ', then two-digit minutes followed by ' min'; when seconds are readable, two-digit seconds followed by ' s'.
3 h 28 min
